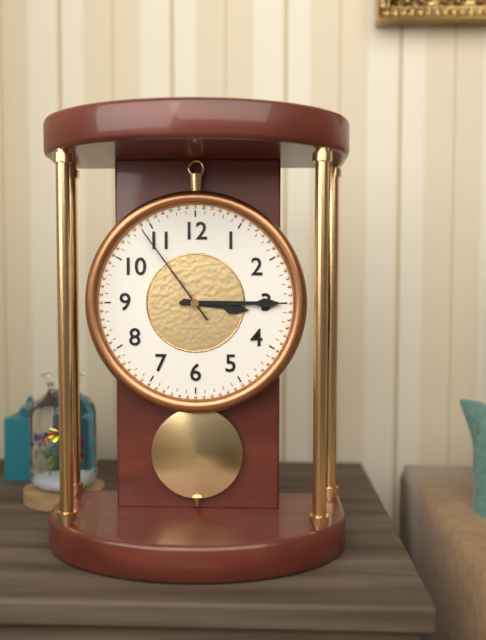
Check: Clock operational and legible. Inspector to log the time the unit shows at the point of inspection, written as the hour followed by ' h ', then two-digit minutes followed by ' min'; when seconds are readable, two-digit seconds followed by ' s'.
3 h 15 min 54 s
